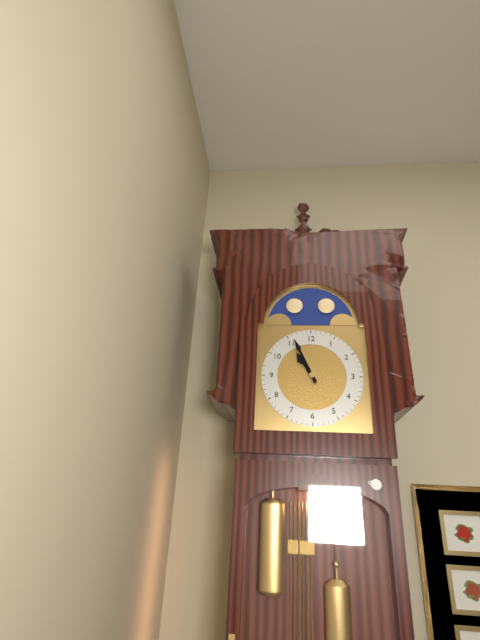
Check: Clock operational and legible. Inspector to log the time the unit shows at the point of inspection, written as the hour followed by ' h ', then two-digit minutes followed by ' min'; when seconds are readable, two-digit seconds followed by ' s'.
10 h 56 min
